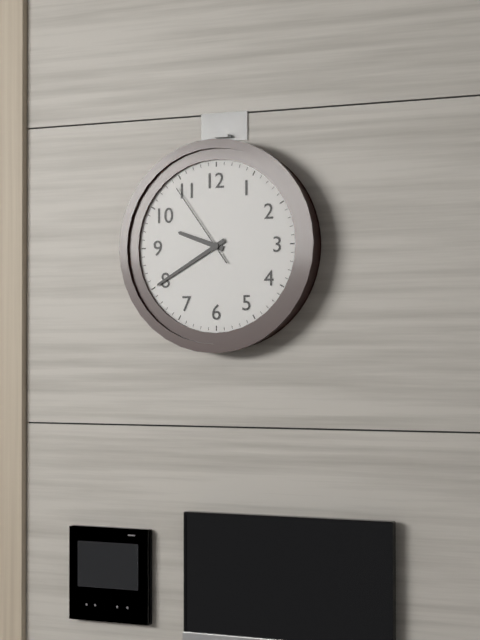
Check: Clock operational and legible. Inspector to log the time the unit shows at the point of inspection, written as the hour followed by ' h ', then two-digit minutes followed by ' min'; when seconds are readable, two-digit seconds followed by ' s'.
9 h 40 min 54 s
